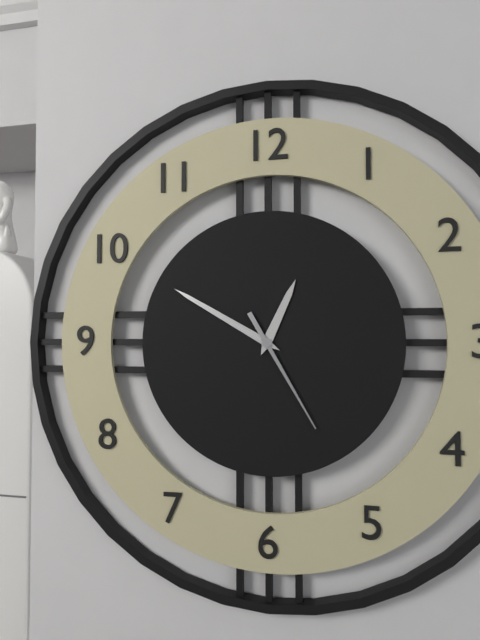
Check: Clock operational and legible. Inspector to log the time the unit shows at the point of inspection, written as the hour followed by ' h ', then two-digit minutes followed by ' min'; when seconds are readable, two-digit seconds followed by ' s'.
12 h 50 min 25 s
